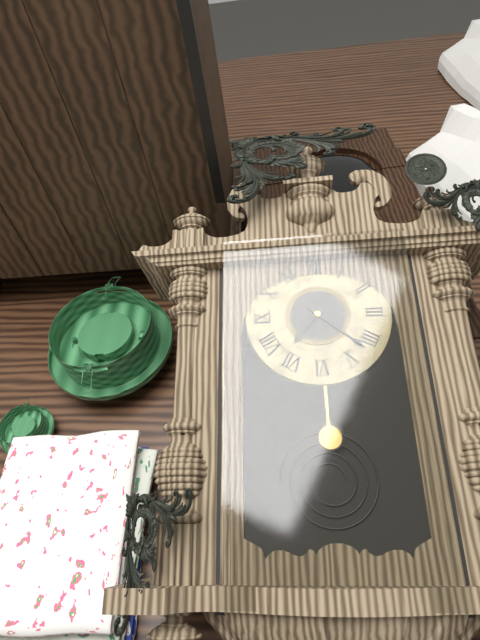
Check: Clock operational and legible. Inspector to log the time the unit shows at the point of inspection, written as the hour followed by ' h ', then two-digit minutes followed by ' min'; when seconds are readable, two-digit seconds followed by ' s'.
7 h 22 min
